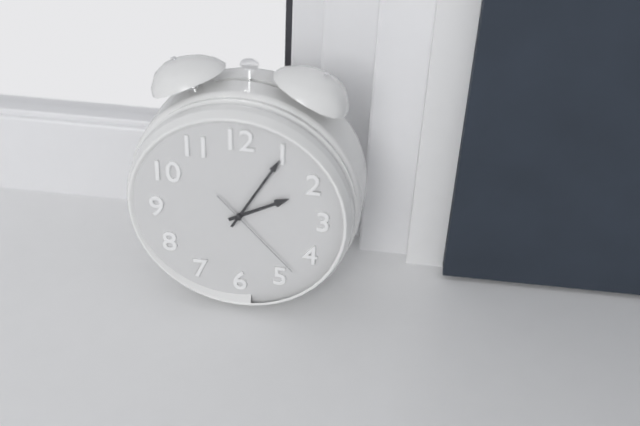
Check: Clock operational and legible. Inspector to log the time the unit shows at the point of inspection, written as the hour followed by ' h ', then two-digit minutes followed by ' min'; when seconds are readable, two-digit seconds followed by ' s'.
2 h 05 min 23 s
